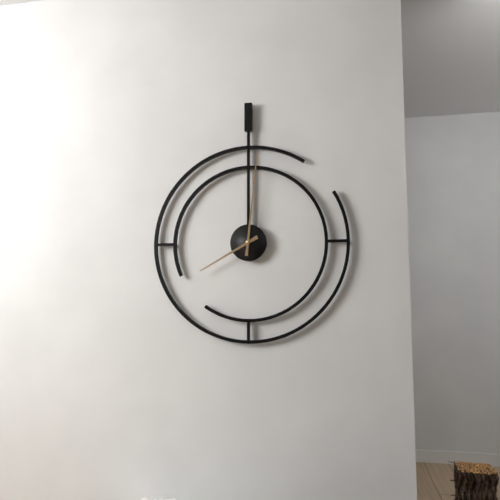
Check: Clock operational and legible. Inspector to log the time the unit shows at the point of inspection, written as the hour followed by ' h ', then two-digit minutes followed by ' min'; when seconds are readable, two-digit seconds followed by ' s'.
8 h 01 min
